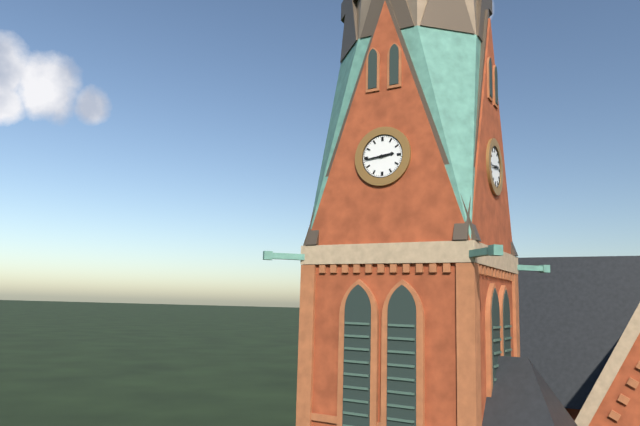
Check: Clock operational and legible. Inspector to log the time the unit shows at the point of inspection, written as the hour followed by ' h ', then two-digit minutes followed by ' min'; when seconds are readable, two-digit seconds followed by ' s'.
2 h 44 min
